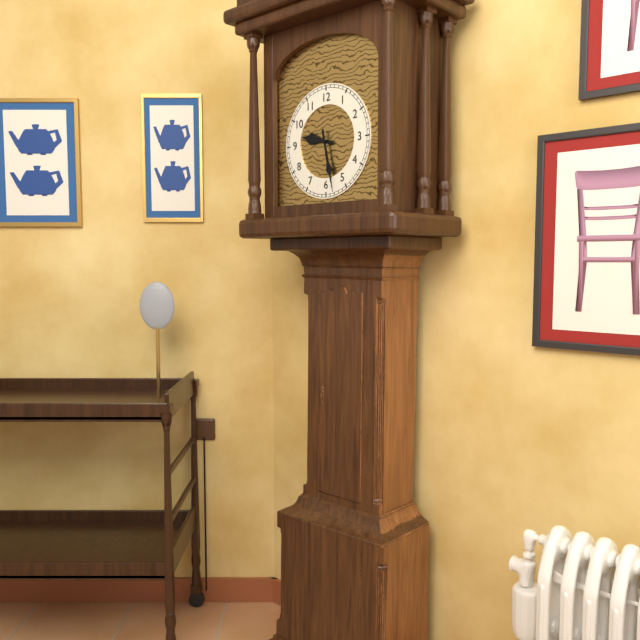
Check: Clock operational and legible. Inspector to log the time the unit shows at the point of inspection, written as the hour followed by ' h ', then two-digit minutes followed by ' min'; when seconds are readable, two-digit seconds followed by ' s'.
9 h 28 min
